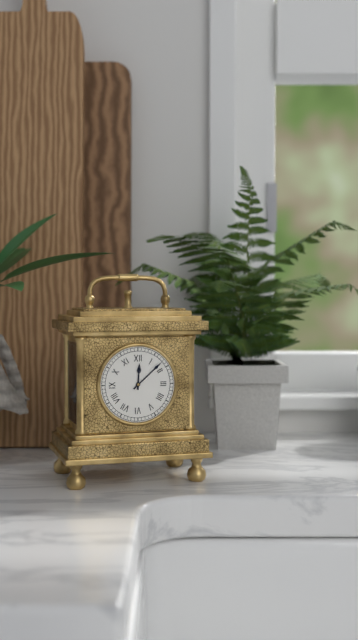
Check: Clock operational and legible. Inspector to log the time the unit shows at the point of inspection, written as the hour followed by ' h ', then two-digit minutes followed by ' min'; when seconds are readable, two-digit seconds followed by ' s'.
12 h 08 min
